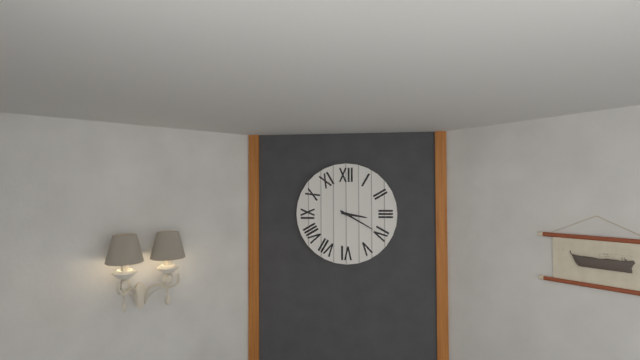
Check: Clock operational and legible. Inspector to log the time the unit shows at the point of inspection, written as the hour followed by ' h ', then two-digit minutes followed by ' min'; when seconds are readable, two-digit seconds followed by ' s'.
3 h 20 min
